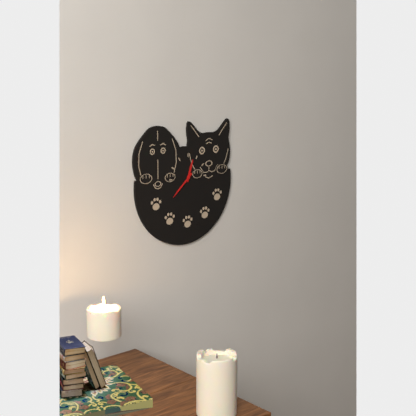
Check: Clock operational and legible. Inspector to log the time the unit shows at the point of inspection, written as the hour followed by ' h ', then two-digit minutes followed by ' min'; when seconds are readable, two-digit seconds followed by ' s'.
12 h 38 min
